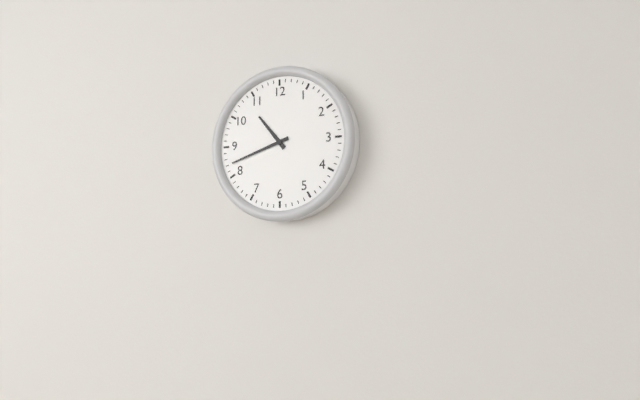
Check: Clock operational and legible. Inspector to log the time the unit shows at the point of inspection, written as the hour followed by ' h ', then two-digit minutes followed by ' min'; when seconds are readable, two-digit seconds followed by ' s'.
10 h 42 min
